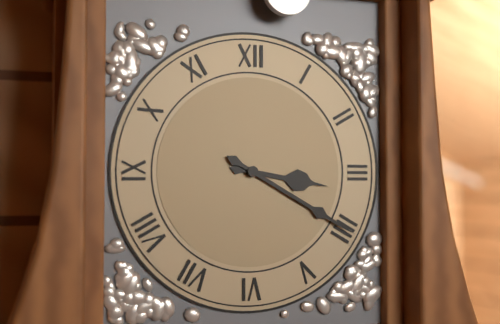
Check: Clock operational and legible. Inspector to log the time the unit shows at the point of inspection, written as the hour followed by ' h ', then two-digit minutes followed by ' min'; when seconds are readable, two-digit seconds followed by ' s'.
3 h 20 min
